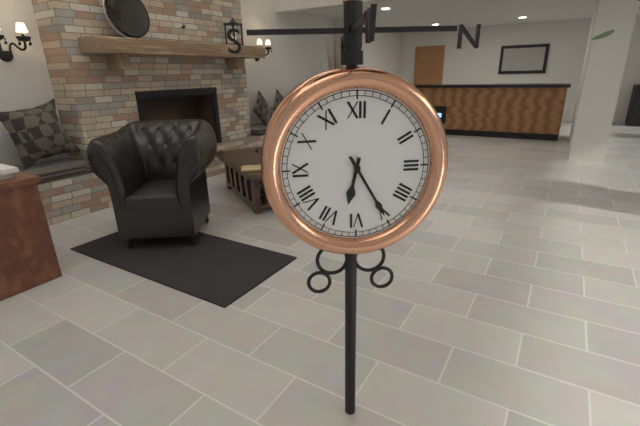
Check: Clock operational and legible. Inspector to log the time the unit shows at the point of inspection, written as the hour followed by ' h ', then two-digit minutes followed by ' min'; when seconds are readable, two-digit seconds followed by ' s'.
6 h 25 min
